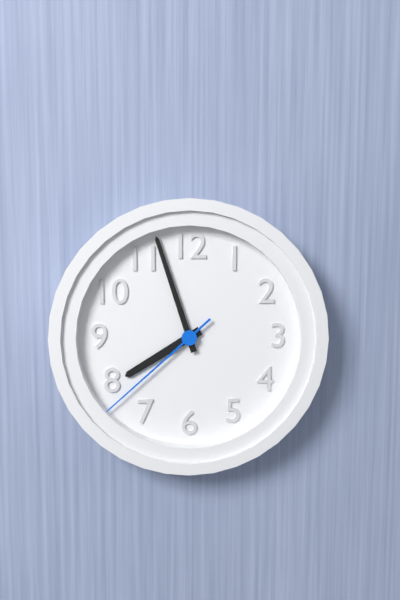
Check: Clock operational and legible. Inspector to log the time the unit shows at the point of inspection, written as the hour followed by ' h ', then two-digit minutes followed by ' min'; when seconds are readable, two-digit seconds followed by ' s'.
7 h 57 min 38 s
